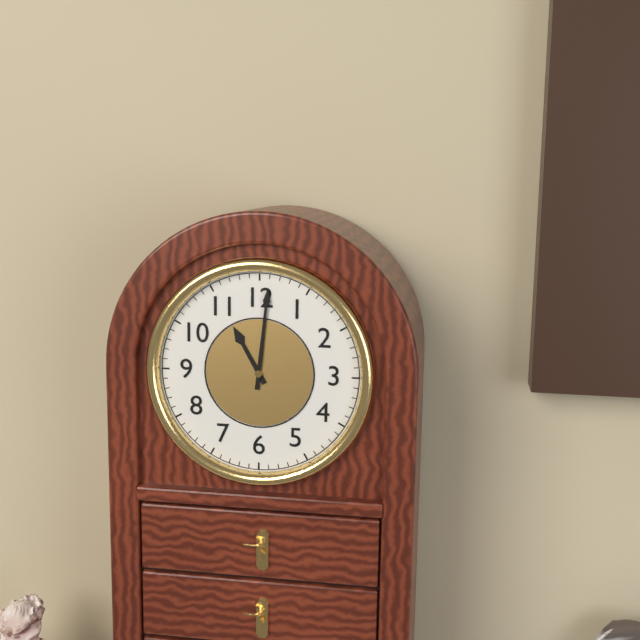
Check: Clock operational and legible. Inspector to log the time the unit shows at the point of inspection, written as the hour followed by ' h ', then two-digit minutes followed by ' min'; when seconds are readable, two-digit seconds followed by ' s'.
11 h 01 min
